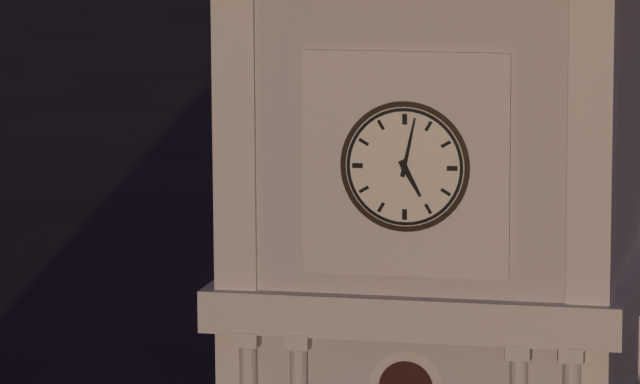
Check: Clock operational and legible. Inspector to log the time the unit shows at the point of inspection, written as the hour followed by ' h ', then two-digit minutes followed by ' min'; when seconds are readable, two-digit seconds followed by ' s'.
5 h 02 min
